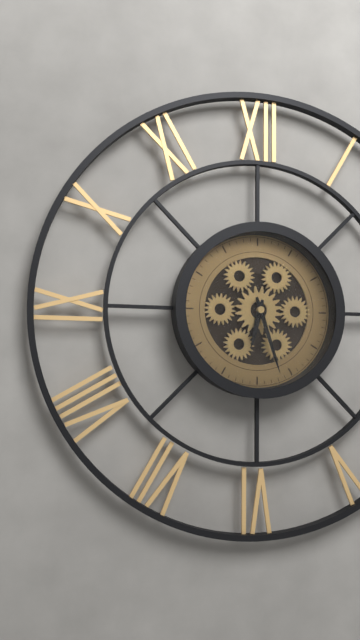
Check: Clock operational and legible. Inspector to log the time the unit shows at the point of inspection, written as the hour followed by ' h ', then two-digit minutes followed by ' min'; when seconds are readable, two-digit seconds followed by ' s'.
6 h 27 min
